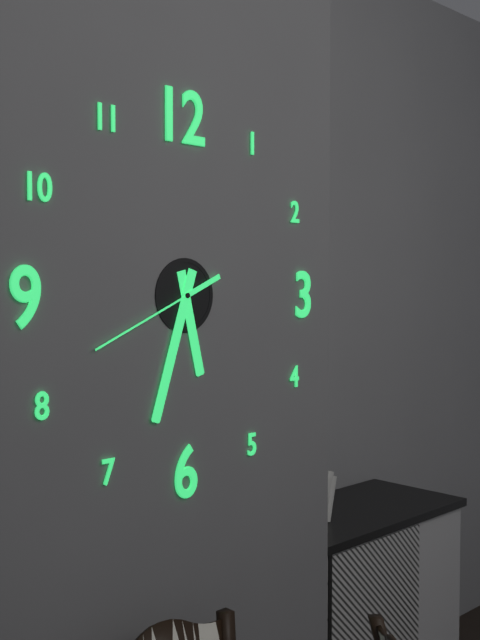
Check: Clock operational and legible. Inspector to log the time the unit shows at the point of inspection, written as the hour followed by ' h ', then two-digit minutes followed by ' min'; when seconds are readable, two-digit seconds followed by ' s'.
5 h 33 min 41 s
